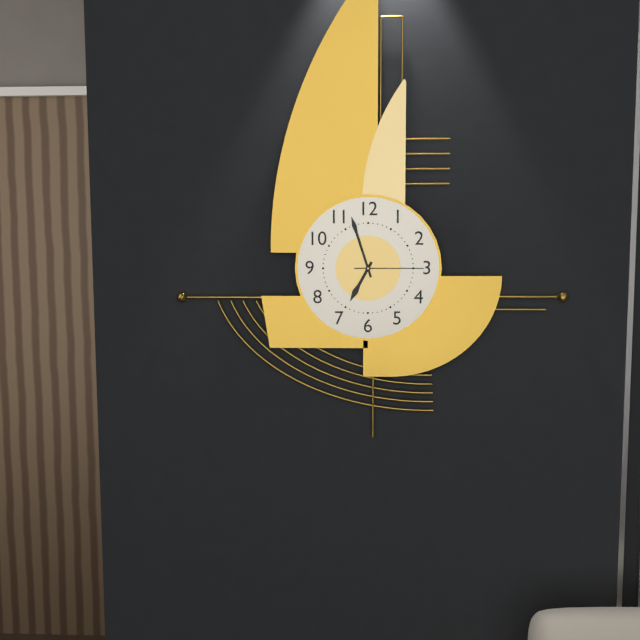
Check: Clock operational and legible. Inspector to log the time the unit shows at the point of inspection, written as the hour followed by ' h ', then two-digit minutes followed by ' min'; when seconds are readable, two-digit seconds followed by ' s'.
6 h 57 min 15 s
